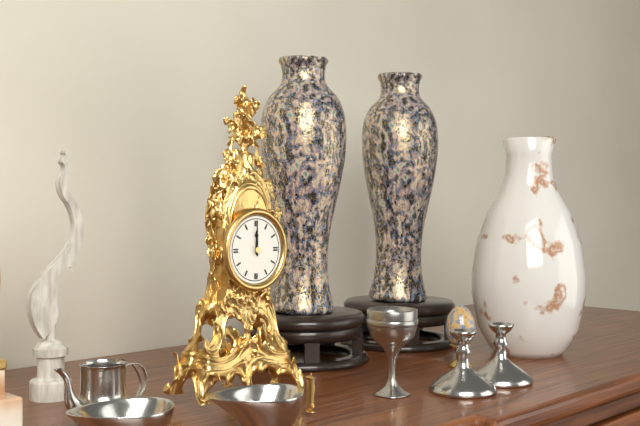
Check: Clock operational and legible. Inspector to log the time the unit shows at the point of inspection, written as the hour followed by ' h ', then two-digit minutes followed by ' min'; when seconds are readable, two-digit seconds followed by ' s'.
12 h 00 min
